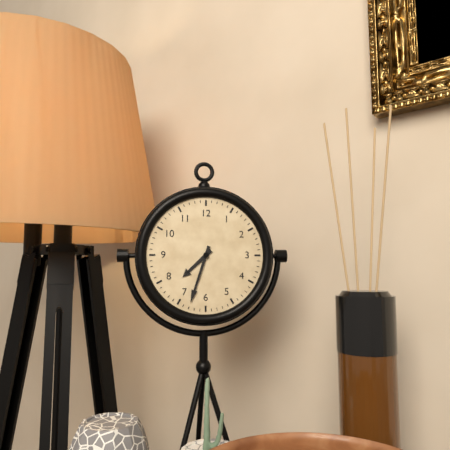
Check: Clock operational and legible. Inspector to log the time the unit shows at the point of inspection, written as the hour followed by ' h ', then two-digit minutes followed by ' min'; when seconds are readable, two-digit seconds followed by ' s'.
7 h 33 min
